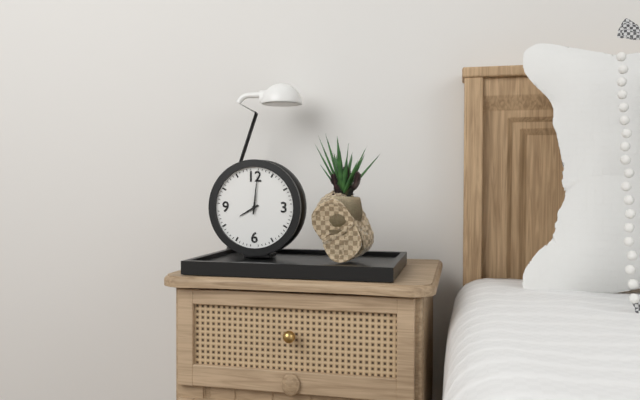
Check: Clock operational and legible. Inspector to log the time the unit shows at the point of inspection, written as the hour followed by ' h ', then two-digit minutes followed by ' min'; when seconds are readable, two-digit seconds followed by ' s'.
8 h 01 min
